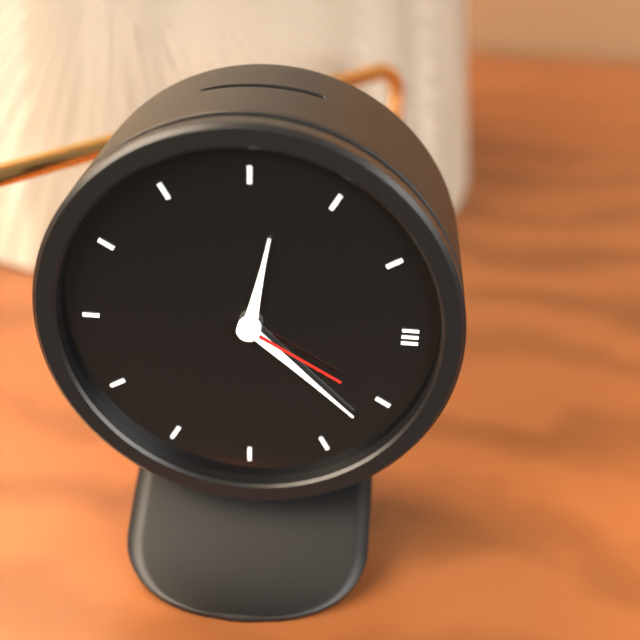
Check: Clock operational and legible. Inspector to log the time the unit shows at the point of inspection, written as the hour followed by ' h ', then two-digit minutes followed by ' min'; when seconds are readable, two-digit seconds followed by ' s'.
12 h 22 min 20 s
